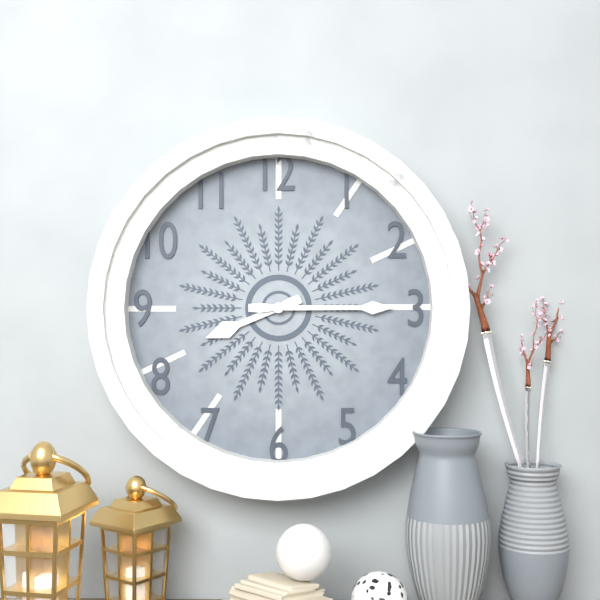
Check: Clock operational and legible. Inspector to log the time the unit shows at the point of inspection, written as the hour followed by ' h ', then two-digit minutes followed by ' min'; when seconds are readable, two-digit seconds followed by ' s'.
8 h 15 min
